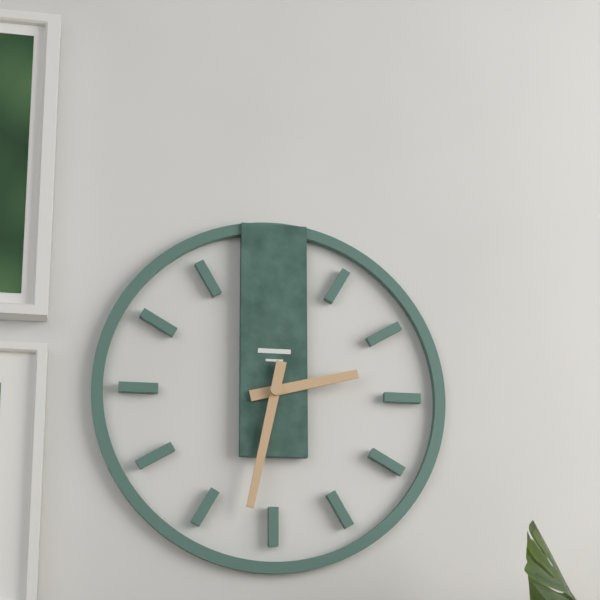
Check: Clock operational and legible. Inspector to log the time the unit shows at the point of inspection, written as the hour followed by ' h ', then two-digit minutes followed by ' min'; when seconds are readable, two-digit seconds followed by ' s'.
2 h 32 min
